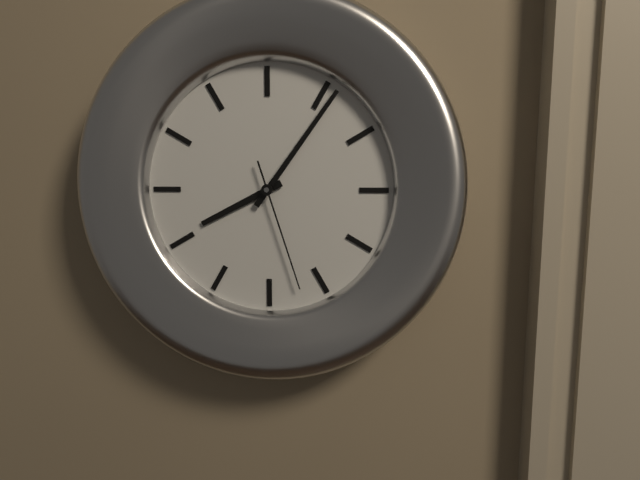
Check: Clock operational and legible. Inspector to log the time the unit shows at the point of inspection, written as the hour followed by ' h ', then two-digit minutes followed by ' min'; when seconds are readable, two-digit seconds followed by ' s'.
8 h 06 min 27 s
